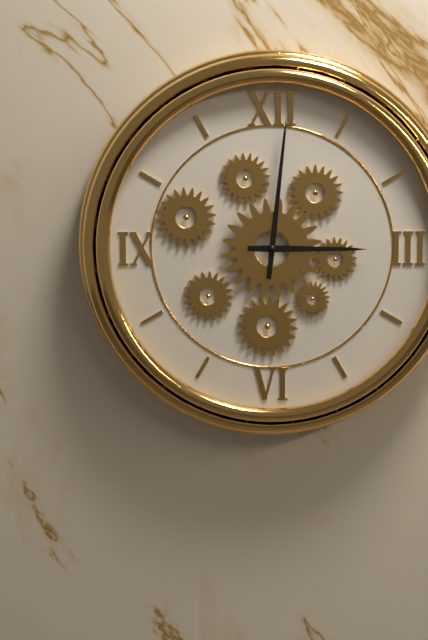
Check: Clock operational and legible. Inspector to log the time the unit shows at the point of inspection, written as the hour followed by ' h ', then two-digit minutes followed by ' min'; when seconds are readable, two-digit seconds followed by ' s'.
3 h 01 min
